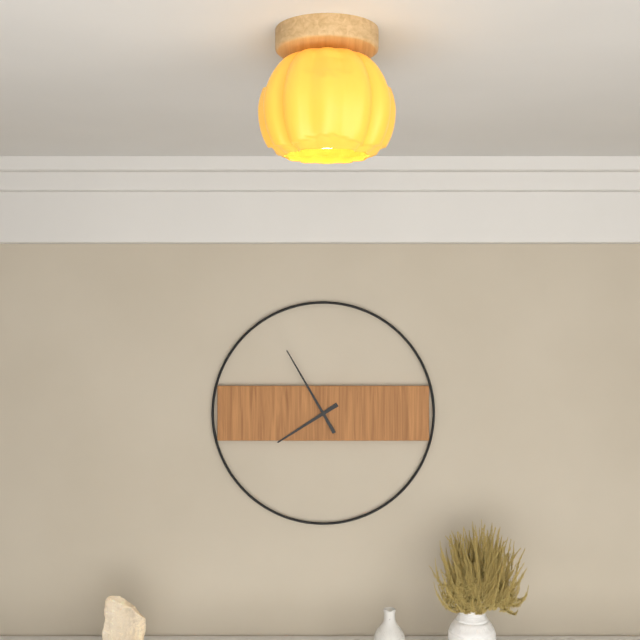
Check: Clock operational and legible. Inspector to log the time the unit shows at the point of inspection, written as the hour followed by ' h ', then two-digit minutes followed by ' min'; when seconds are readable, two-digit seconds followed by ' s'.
7 h 55 min
